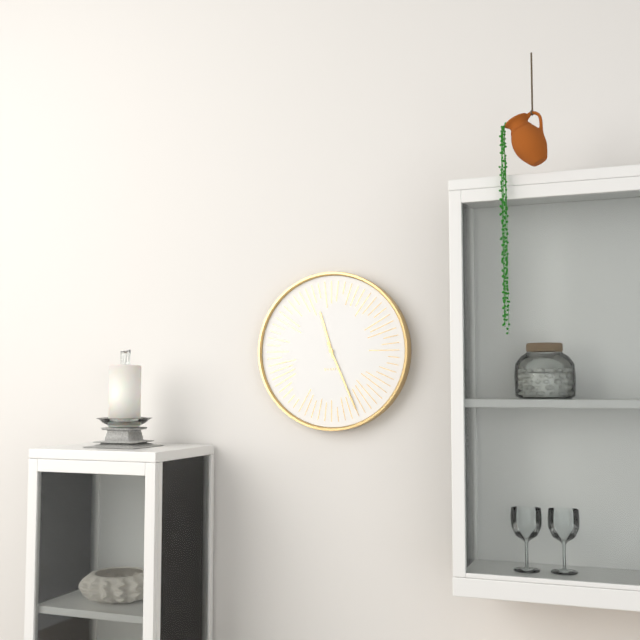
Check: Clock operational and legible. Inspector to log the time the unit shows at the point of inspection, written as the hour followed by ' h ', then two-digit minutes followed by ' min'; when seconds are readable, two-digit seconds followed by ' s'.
11 h 26 min
